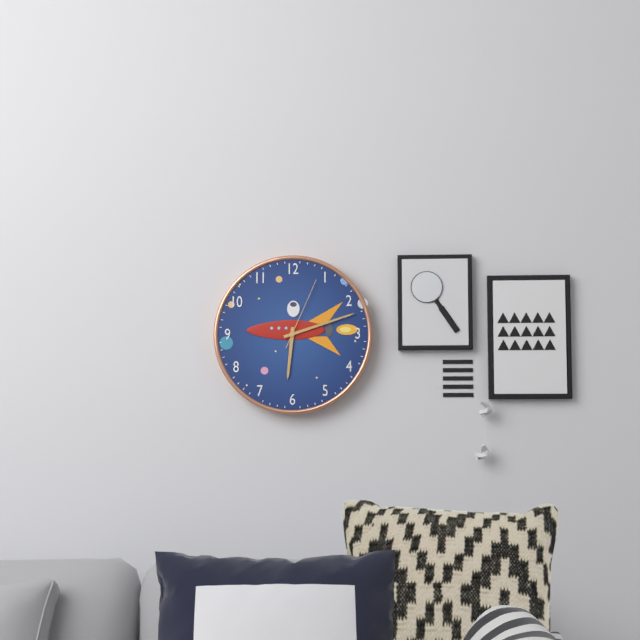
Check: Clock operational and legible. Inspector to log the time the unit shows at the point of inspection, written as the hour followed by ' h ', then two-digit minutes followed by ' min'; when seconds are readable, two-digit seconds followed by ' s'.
6 h 12 min 04 s
